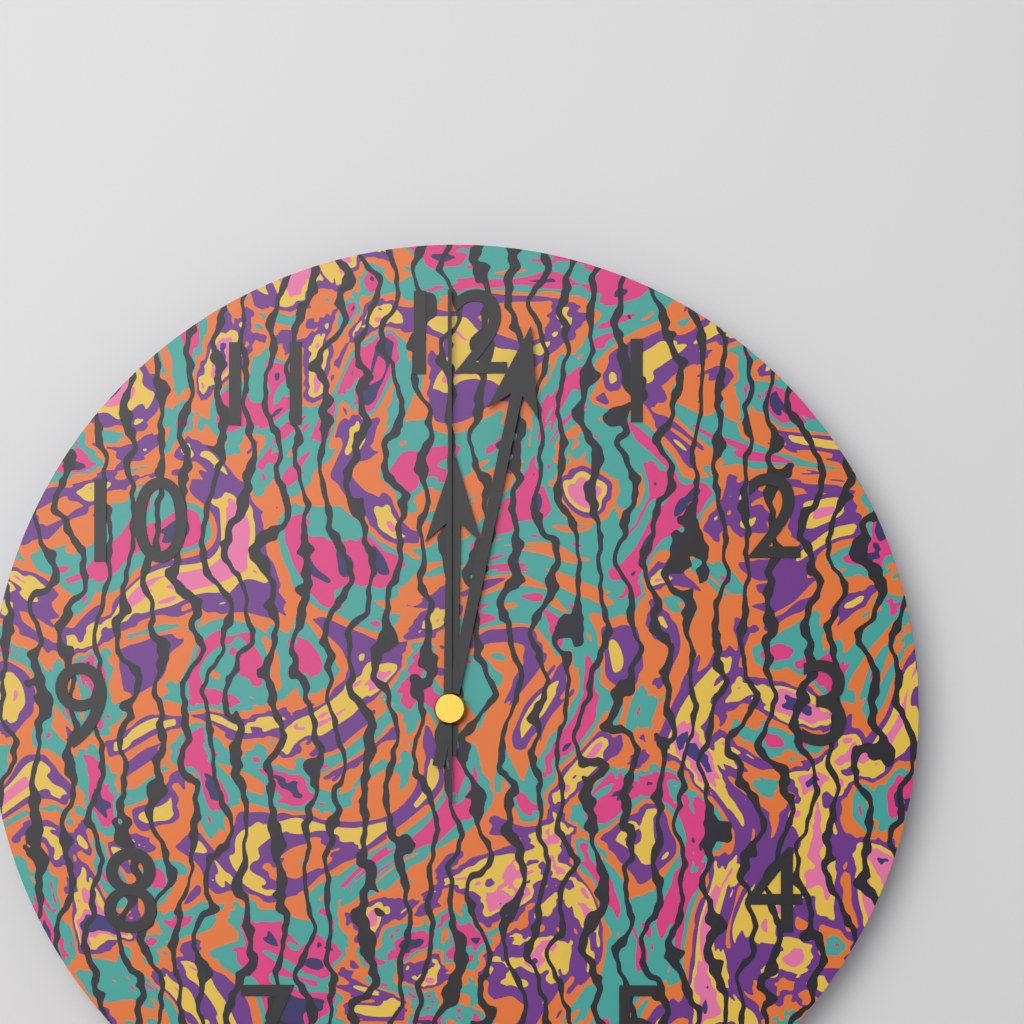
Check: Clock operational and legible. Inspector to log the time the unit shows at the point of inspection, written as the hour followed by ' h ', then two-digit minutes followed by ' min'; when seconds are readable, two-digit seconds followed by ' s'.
12 h 02 min 00 s
